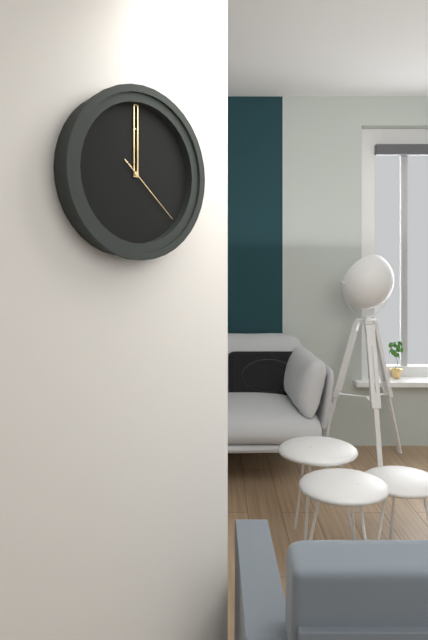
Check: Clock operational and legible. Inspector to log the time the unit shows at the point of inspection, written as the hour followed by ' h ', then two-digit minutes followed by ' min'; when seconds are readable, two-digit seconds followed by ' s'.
12 h 00 min 22 s
